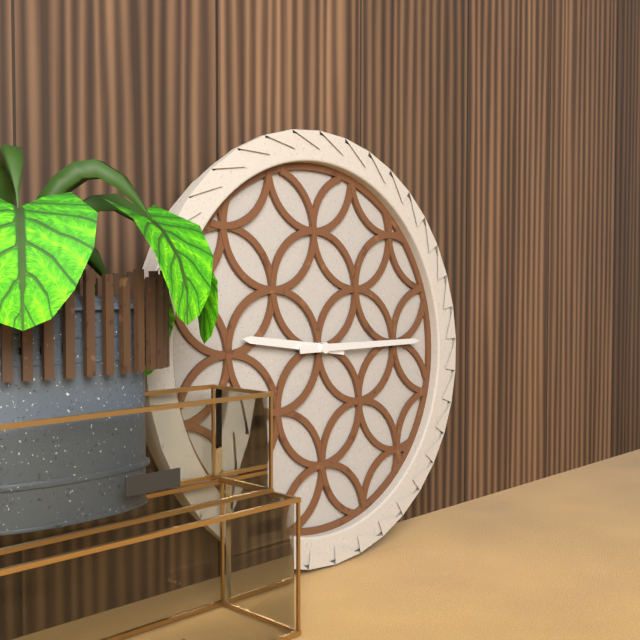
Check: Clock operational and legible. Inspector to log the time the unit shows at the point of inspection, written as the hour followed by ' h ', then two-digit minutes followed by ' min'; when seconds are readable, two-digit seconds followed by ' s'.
9 h 15 min
